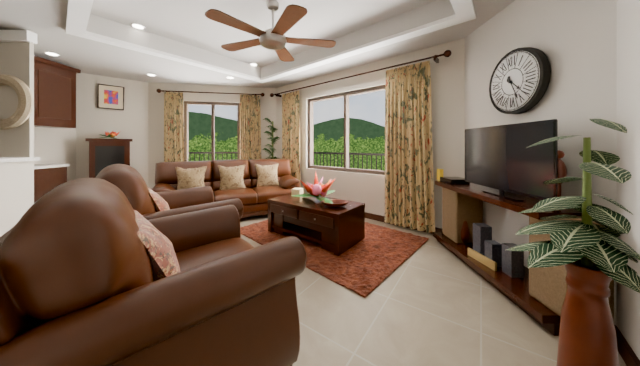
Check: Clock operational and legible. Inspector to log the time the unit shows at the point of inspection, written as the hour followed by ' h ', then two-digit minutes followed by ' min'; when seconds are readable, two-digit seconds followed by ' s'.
4 h 26 min
